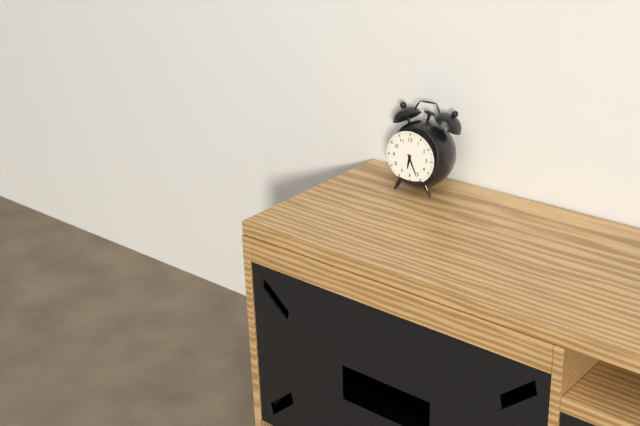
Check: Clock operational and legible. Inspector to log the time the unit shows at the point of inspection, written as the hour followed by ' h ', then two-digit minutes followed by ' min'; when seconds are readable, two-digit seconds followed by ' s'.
6 h 26 min
